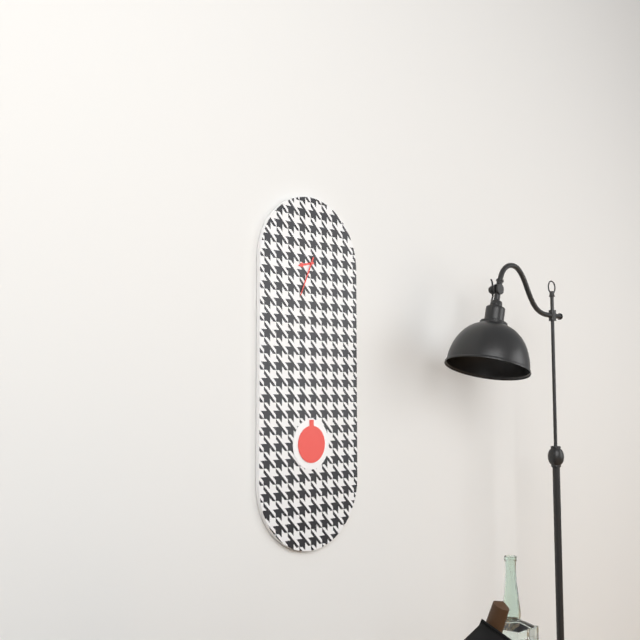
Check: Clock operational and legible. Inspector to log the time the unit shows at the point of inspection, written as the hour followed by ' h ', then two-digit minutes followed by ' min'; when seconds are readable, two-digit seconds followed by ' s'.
8 h 34 min
